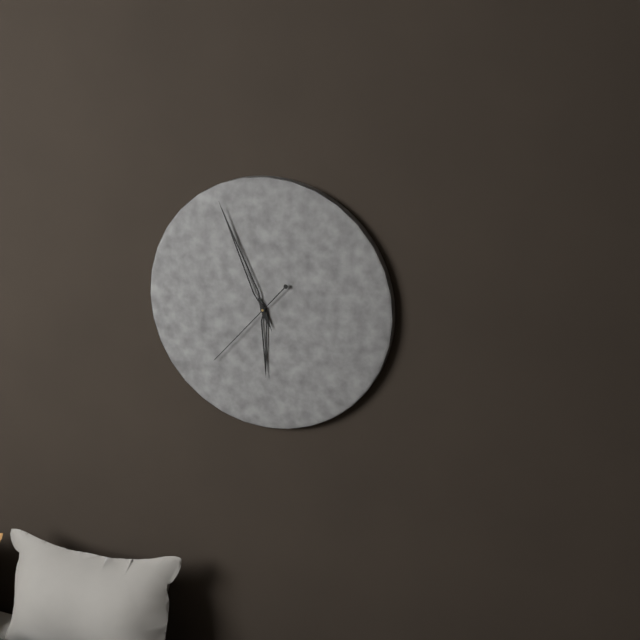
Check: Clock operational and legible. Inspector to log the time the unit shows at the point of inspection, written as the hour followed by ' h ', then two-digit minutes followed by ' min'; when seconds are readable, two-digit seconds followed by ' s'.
5 h 56 min 37 s
